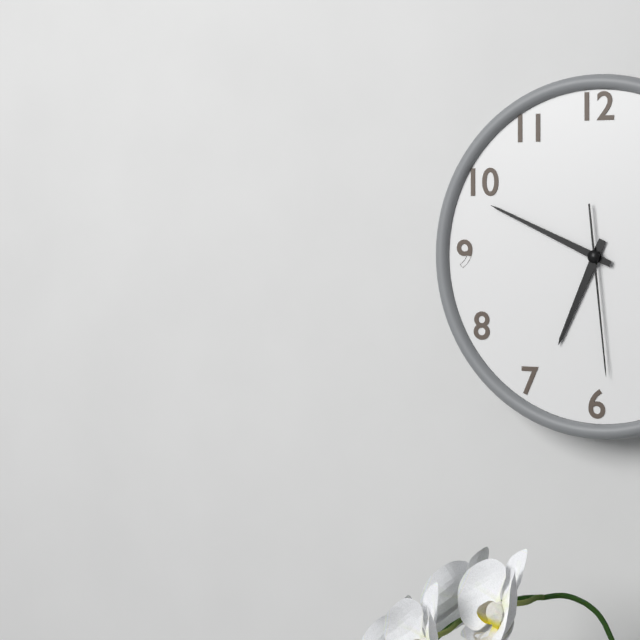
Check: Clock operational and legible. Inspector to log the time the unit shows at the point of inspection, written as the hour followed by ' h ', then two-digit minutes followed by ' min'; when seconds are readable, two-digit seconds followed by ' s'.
6 h 49 min 29 s
